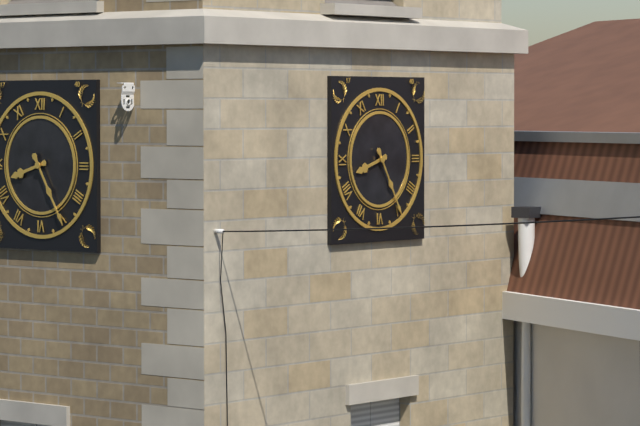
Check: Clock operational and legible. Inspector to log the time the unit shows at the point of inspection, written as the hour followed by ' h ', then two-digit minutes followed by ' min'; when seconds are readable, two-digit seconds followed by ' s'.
8 h 25 min
